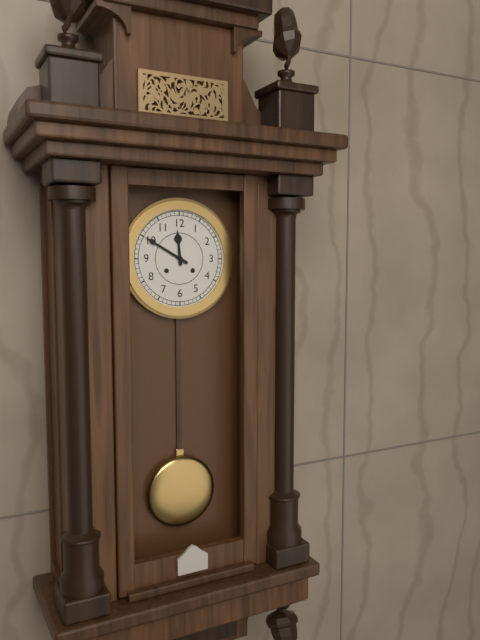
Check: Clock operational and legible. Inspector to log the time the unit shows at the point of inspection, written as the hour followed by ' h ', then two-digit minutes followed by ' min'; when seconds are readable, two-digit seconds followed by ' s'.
11 h 50 min
